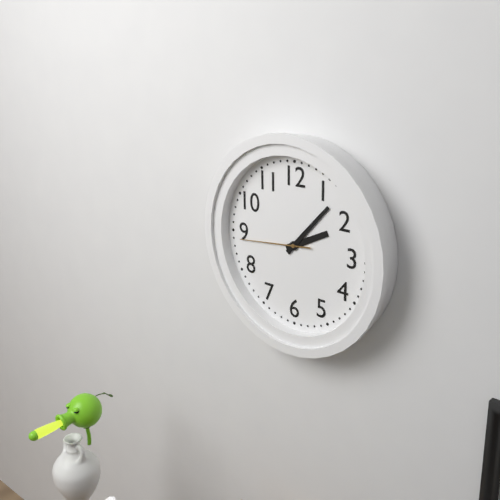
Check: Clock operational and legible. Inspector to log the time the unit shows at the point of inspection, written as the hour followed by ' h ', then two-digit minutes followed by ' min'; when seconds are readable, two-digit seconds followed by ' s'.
2 h 07 min 44 s
